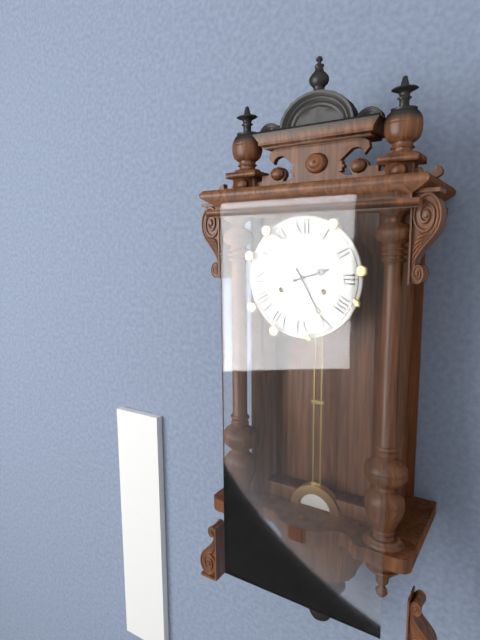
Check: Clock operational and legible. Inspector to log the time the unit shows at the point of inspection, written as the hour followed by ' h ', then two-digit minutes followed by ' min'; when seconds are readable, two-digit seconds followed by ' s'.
2 h 25 min
